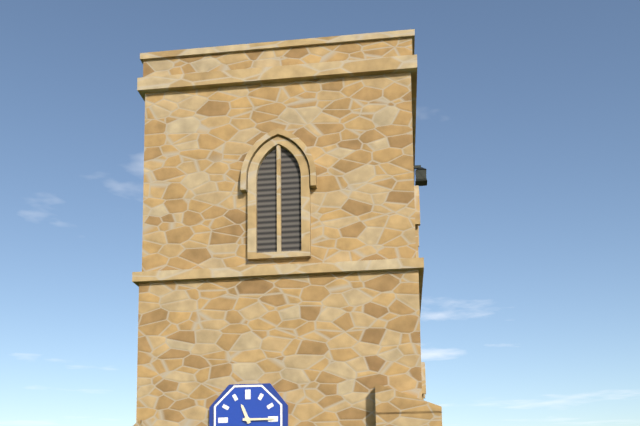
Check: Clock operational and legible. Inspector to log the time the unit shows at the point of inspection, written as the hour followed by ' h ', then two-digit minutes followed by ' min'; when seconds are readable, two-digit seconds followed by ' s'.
11 h 15 min
